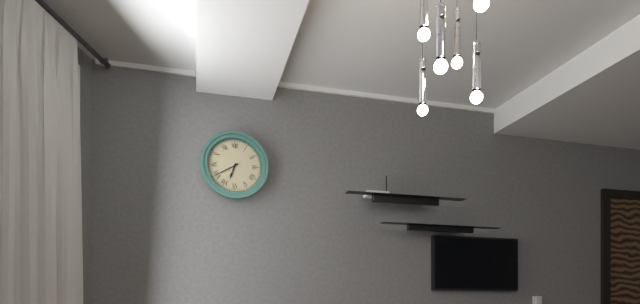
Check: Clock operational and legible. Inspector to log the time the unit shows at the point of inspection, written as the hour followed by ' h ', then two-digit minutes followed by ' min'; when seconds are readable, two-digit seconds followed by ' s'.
6 h 40 min
